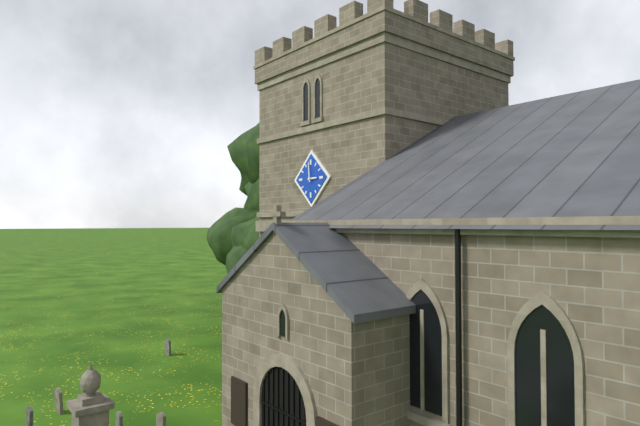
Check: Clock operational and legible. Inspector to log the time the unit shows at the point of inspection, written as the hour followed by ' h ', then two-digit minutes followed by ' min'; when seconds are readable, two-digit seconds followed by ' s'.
2 h 59 min
